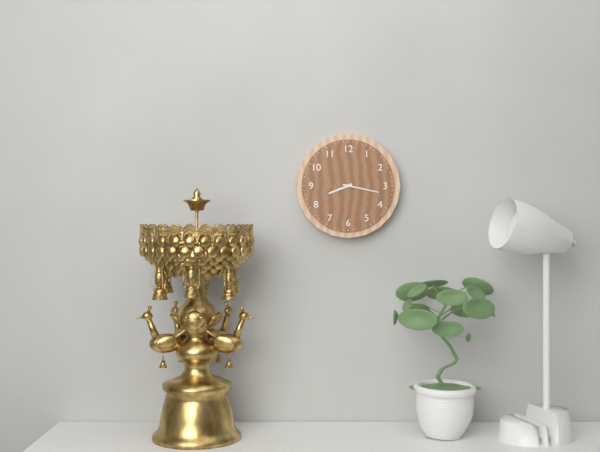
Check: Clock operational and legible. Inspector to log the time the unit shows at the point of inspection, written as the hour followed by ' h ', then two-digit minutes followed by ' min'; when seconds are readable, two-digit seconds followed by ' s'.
8 h 17 min
